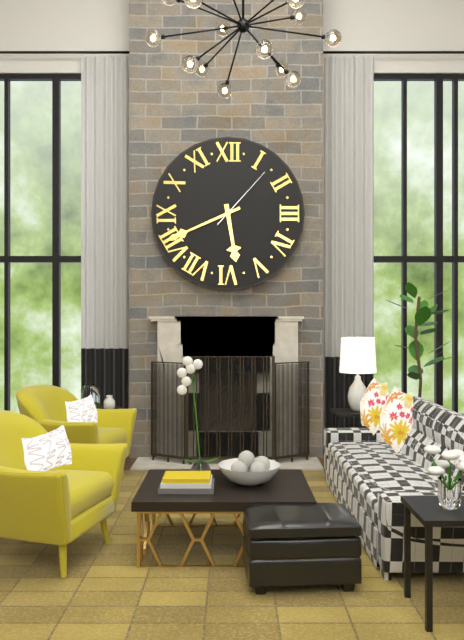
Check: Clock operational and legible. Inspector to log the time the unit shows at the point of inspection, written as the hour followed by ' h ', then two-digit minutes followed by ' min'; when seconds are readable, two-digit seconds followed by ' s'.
5 h 41 min 07 s
